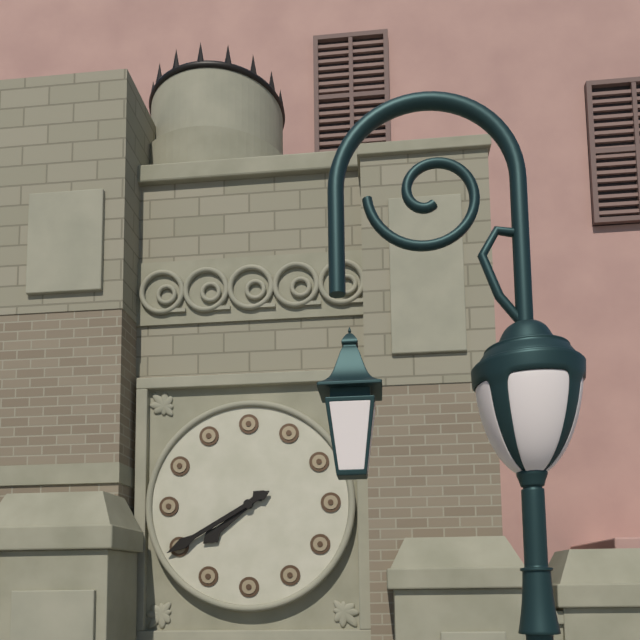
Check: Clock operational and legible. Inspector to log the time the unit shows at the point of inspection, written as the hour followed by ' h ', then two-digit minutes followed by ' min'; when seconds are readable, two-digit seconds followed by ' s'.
7 h 40 min
